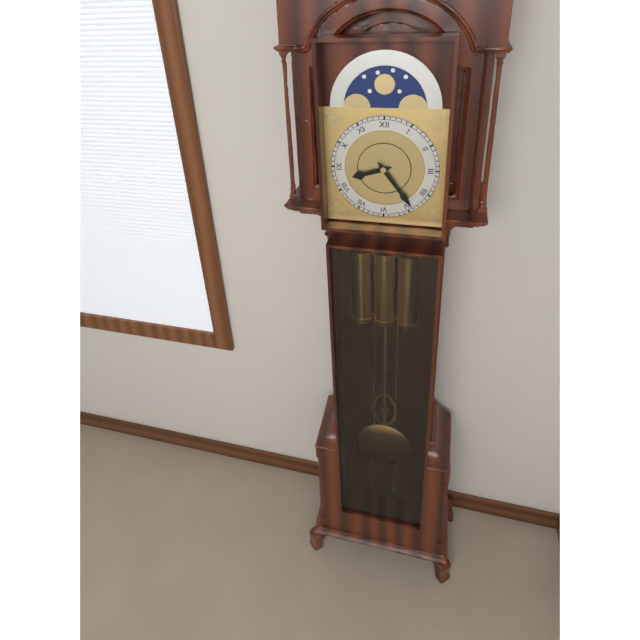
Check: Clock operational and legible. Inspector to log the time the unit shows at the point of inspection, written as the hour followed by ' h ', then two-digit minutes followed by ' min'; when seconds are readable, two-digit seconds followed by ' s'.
8 h 24 min
